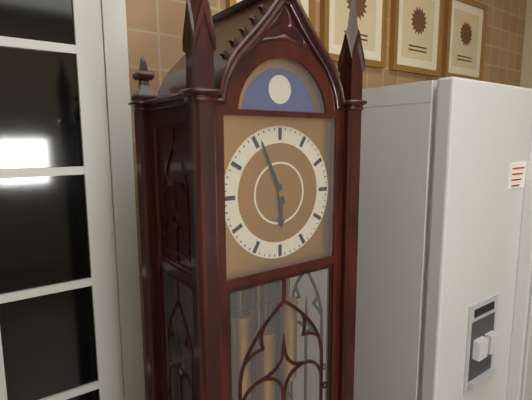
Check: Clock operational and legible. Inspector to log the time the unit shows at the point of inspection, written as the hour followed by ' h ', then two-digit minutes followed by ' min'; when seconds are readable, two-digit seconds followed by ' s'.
5 h 56 min
